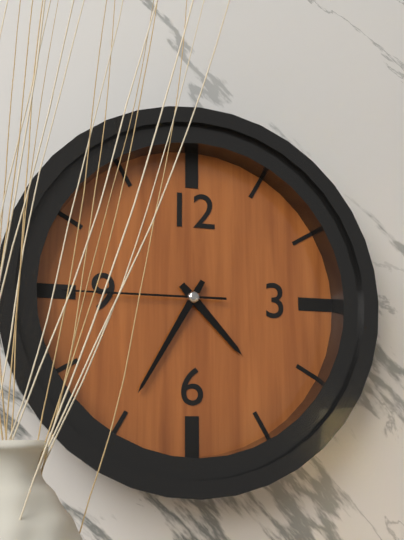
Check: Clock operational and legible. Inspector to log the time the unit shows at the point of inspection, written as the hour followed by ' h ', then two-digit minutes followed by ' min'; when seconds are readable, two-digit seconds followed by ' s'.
4 h 35 min 45 s
